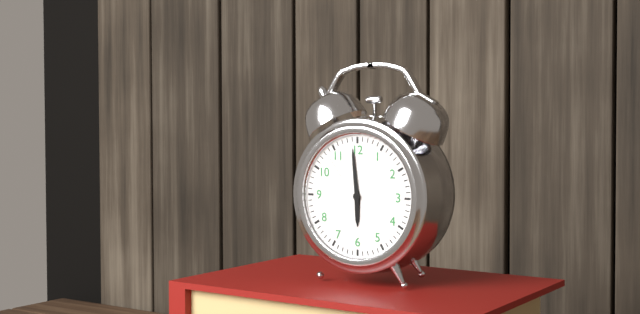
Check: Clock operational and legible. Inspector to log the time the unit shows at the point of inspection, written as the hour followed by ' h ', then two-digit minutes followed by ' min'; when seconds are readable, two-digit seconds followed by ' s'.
5 h 59 min
